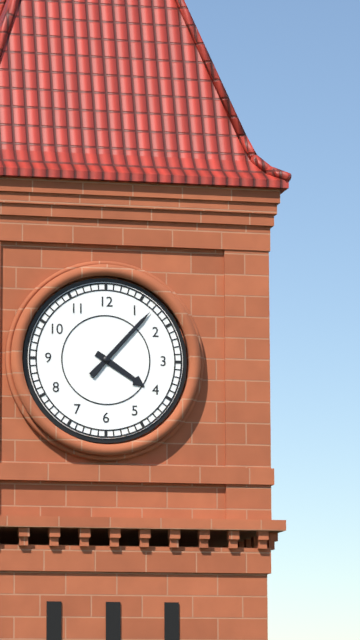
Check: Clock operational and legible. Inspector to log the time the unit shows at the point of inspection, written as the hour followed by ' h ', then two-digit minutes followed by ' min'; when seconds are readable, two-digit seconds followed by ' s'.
4 h 07 min
